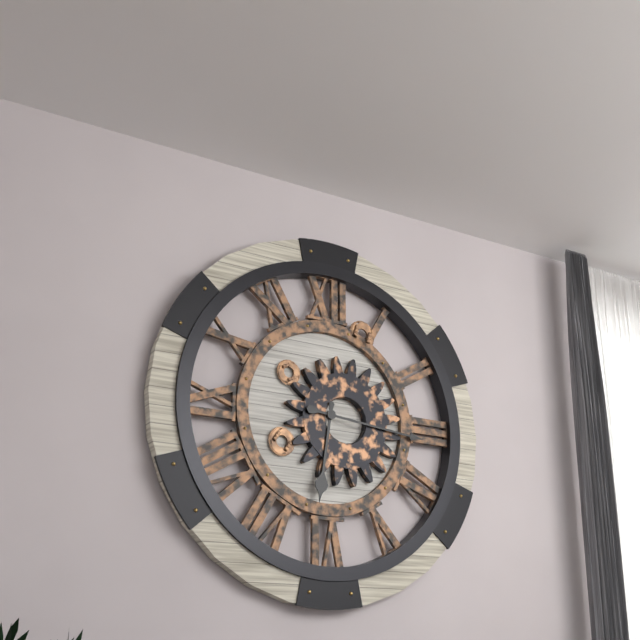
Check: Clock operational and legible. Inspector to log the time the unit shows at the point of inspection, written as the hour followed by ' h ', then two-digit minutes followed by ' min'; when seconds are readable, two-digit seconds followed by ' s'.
6 h 16 min
